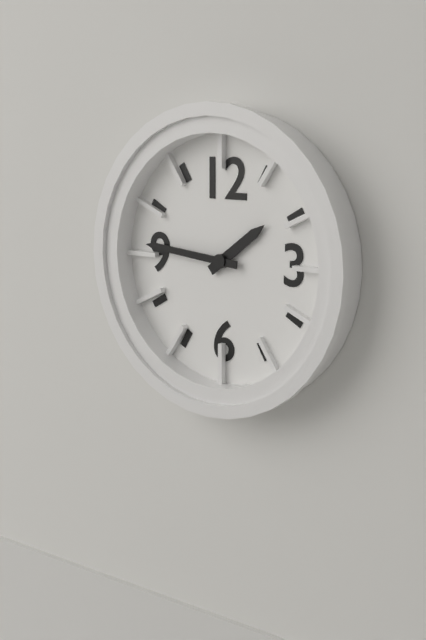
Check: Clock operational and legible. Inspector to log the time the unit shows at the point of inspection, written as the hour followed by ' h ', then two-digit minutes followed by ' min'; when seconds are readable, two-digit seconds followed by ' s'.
1 h 46 min
